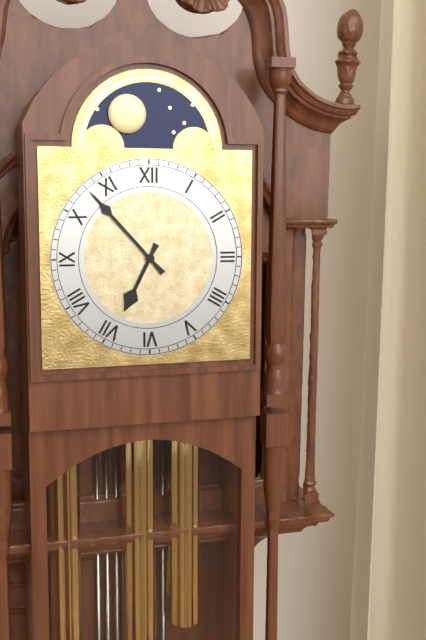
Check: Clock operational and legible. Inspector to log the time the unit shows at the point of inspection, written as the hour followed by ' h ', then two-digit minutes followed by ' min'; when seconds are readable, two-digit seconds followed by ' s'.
6 h 53 min
